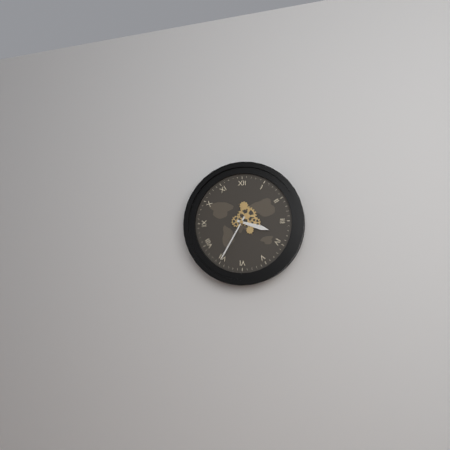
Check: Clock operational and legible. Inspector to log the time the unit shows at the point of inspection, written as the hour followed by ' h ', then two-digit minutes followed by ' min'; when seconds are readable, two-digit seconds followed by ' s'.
3 h 35 min
